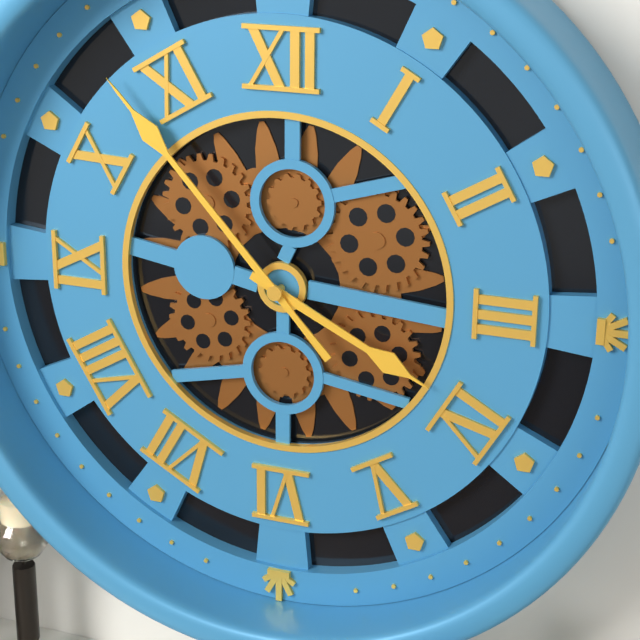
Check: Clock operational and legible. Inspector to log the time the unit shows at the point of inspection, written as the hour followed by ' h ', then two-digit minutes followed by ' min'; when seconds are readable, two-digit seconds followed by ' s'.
3 h 53 min
